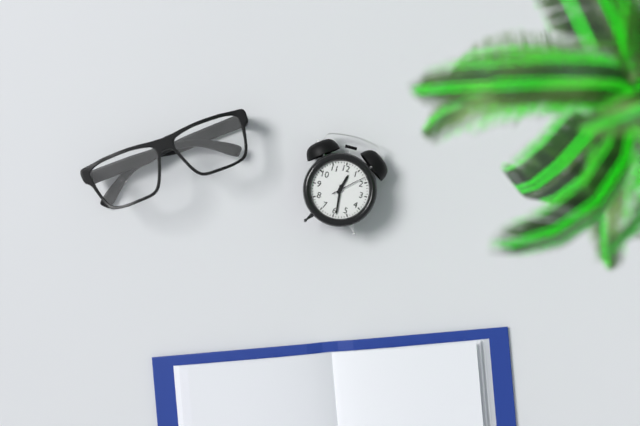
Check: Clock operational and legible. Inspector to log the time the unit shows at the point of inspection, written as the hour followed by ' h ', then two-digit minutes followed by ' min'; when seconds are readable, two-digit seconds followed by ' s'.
12 h 29 min
